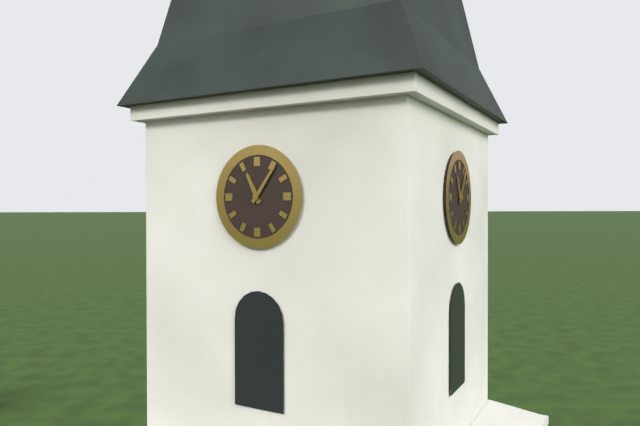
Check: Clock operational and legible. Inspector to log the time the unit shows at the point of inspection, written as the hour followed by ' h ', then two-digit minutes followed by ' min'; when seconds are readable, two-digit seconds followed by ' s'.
11 h 06 min
